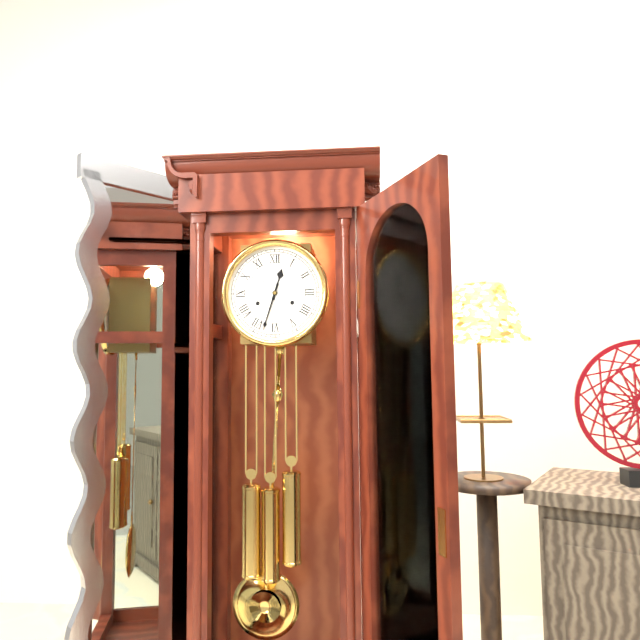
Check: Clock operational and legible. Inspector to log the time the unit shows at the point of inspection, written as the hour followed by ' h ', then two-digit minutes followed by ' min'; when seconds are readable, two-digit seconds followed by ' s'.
12 h 33 min
